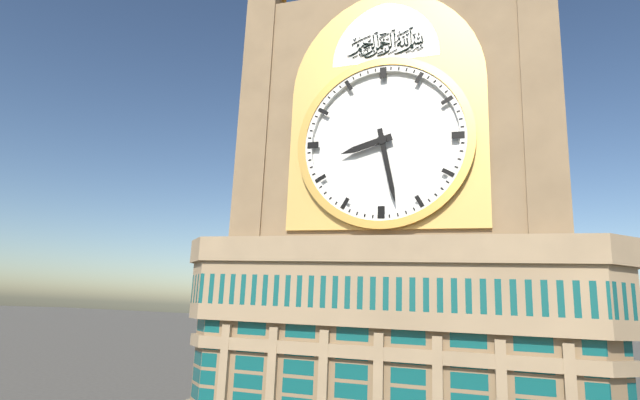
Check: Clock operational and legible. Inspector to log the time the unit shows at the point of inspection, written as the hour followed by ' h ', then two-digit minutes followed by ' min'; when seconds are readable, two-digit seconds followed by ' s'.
8 h 28 min
